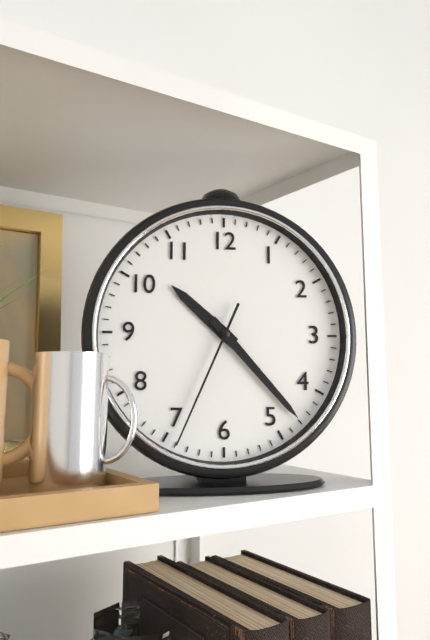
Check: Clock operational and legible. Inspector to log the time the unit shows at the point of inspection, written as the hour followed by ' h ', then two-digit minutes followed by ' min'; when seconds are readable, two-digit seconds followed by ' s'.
10 h 23 min 34 s
